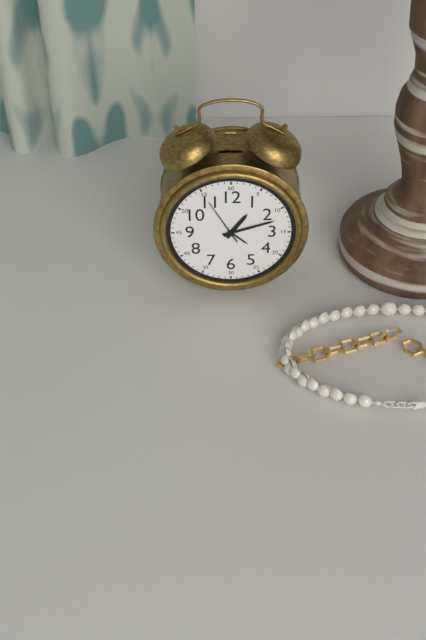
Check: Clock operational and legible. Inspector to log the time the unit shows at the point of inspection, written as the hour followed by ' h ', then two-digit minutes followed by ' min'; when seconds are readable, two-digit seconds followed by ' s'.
1 h 12 min
